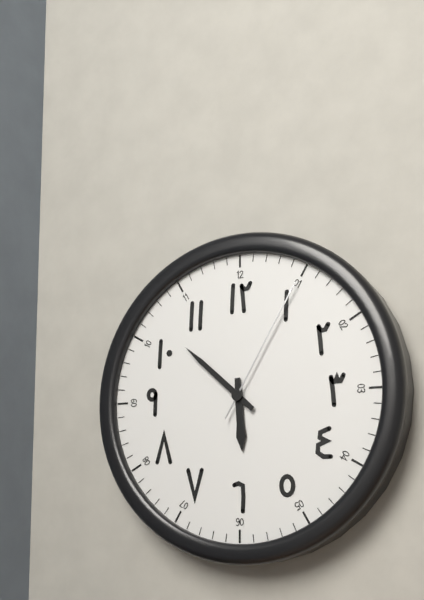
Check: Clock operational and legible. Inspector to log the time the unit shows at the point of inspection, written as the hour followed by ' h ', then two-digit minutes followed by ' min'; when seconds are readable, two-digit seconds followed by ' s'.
5 h 52 min 05 s
